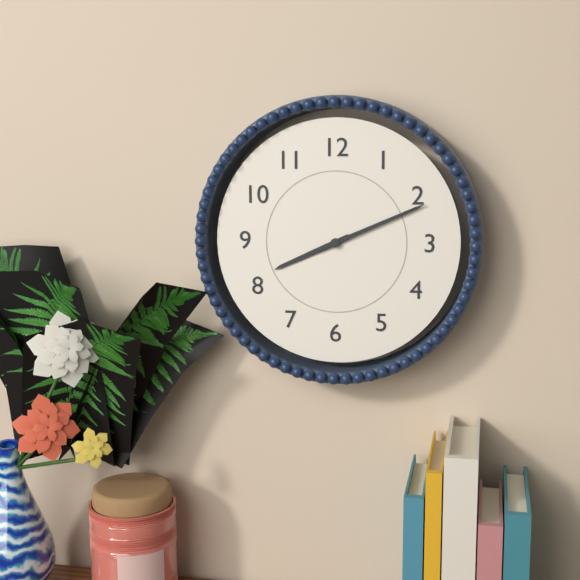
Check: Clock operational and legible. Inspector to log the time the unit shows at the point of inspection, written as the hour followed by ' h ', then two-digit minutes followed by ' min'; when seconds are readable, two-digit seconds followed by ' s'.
8 h 11 min
